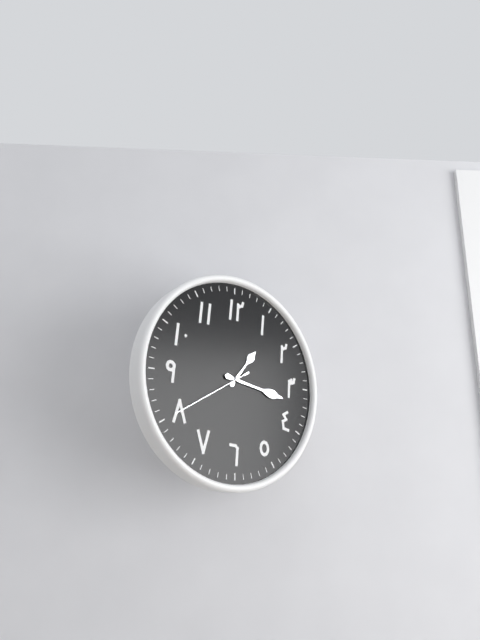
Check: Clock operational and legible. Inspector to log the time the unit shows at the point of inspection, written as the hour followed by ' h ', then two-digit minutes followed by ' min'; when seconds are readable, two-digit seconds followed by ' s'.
1 h 17 min 40 s
